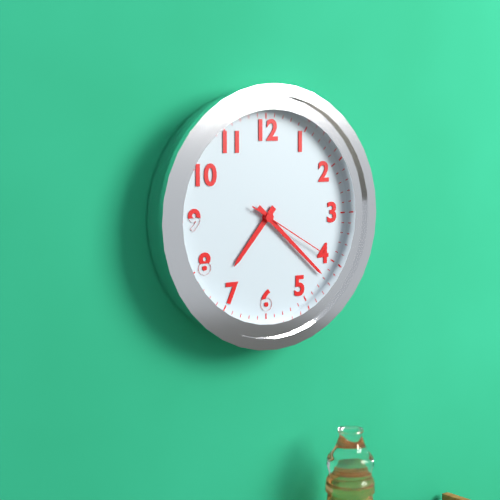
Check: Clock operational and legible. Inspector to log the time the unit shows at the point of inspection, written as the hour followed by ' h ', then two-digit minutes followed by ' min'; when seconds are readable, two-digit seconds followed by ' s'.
7 h 22 min 20 s
